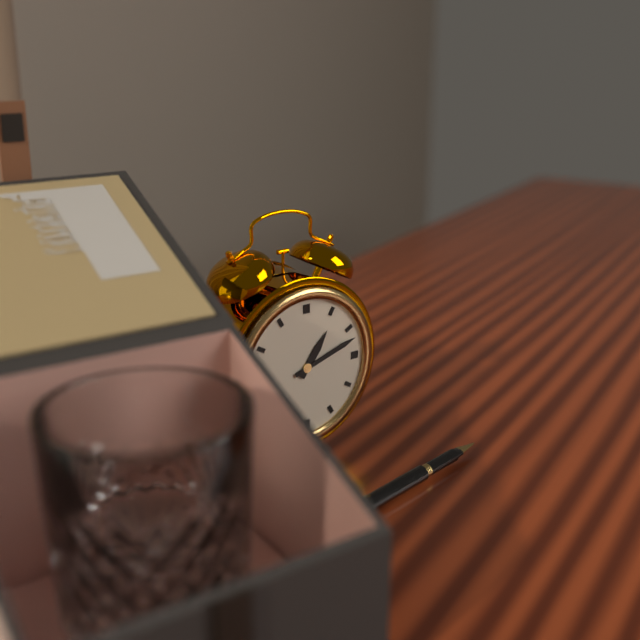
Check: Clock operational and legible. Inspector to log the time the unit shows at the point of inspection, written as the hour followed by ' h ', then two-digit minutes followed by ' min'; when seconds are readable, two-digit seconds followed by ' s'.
1 h 12 min
